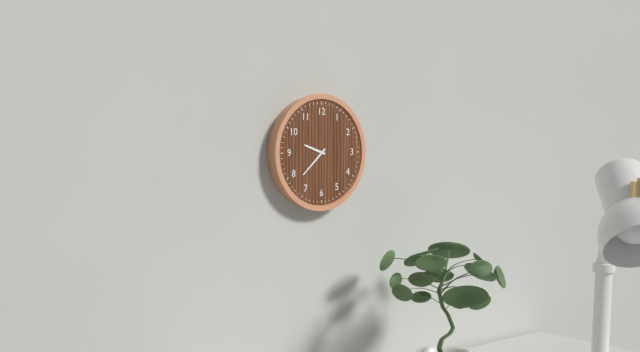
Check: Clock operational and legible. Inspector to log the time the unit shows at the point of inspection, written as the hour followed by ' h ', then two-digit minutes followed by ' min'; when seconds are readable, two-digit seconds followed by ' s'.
9 h 38 min
